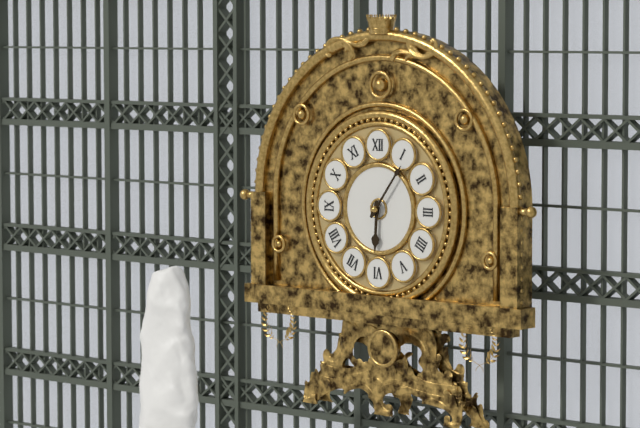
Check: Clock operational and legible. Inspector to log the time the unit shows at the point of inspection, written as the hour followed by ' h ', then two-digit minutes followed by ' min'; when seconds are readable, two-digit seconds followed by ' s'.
6 h 06 min
